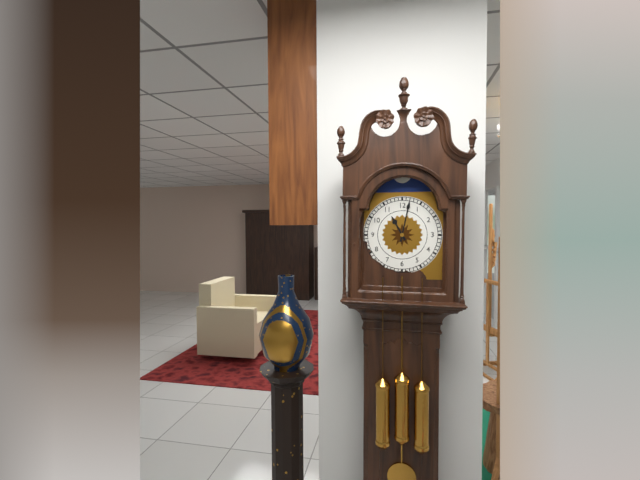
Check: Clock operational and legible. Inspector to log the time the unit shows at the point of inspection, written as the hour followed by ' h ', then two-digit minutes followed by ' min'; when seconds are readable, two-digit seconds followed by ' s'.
11 h 02 min
